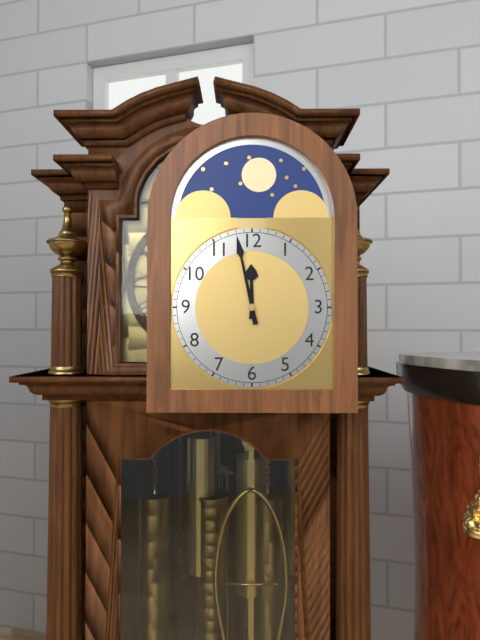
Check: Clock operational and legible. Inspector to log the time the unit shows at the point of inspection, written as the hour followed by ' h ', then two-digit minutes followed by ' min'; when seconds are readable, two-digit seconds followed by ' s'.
11 h 58 min
